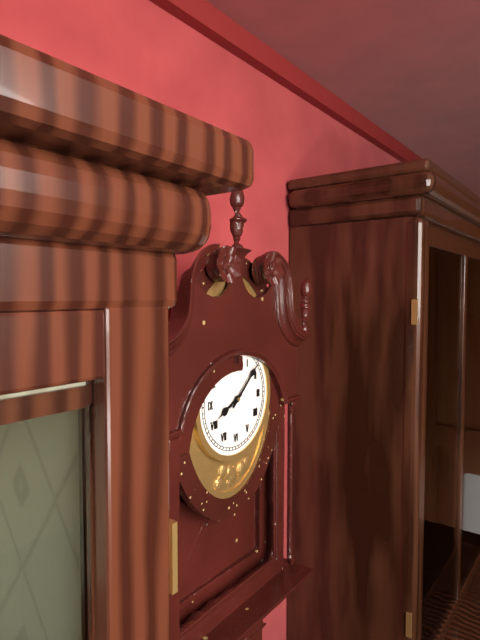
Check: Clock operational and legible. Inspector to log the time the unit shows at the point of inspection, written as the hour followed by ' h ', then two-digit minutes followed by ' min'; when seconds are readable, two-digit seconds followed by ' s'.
8 h 08 min
